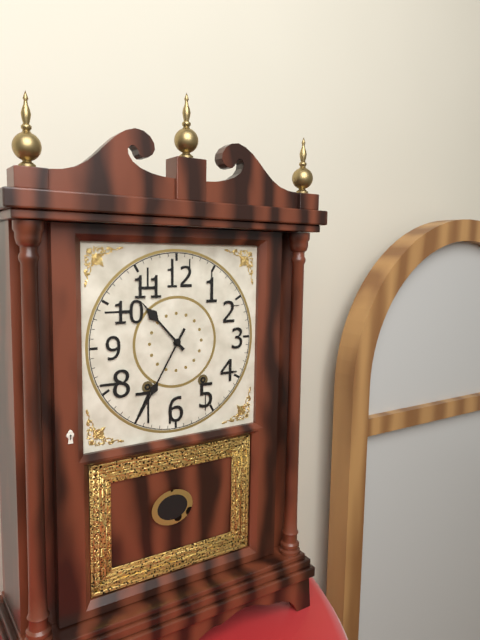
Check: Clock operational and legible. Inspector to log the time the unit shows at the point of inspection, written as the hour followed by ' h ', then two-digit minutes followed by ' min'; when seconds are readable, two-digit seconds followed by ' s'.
10 h 35 min
